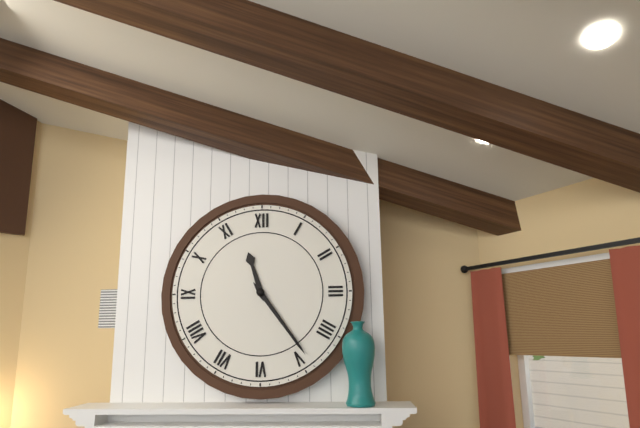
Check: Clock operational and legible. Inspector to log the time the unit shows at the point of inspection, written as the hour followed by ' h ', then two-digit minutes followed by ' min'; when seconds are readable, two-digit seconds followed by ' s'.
11 h 24 min
